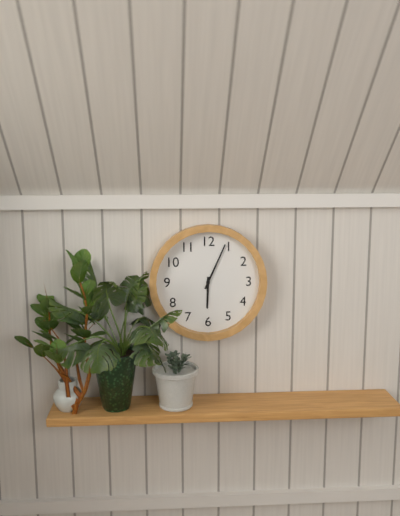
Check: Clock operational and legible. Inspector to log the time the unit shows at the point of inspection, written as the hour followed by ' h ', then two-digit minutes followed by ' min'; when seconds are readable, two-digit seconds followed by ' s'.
6 h 04 min
